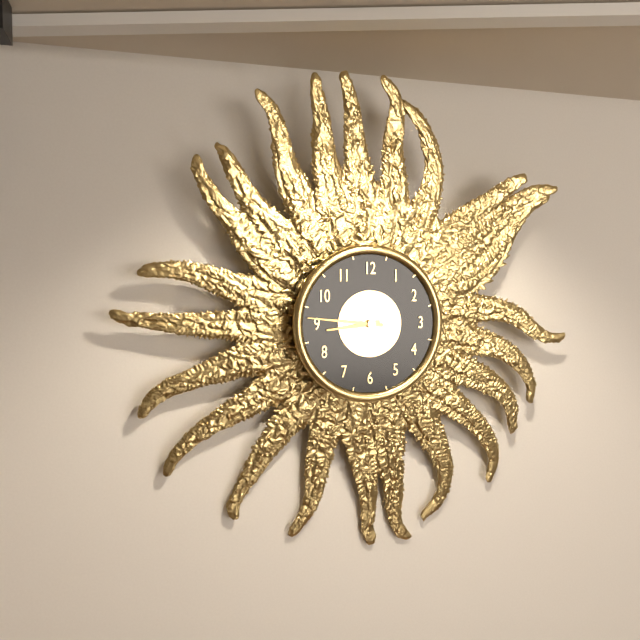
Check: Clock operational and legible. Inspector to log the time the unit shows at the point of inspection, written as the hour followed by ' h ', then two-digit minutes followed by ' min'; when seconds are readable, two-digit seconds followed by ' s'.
8 h 46 min
